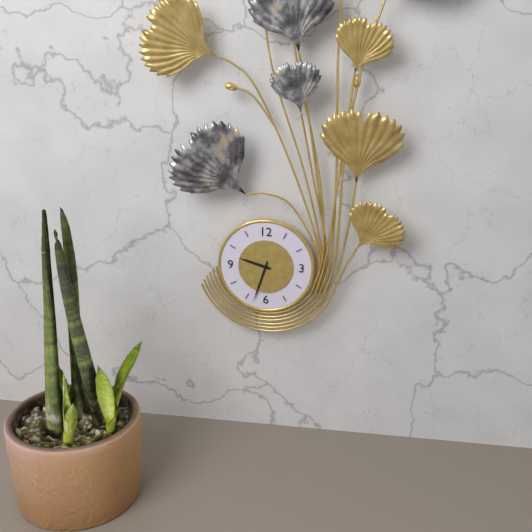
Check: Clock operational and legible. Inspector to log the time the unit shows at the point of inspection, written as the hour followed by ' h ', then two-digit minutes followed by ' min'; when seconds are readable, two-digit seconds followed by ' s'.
9 h 33 min
